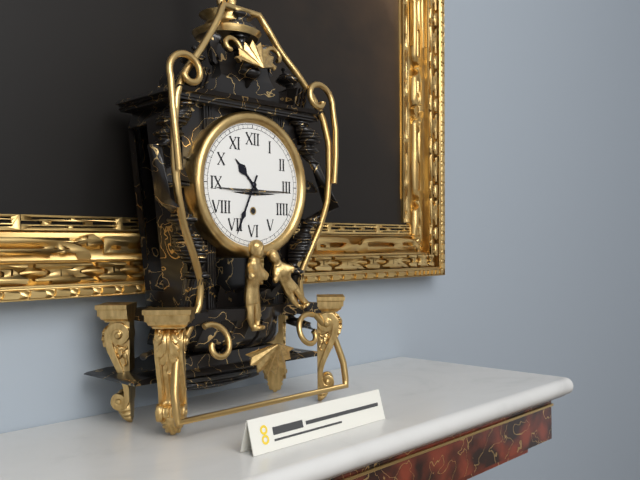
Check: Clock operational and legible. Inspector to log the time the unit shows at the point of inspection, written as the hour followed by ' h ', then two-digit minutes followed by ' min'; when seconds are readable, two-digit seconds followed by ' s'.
10 h 34 min
